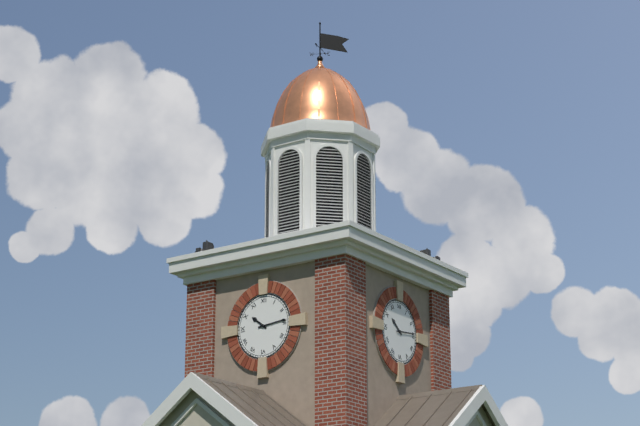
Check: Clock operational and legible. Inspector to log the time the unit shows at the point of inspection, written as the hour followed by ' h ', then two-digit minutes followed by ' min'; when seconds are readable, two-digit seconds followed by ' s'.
10 h 14 min
